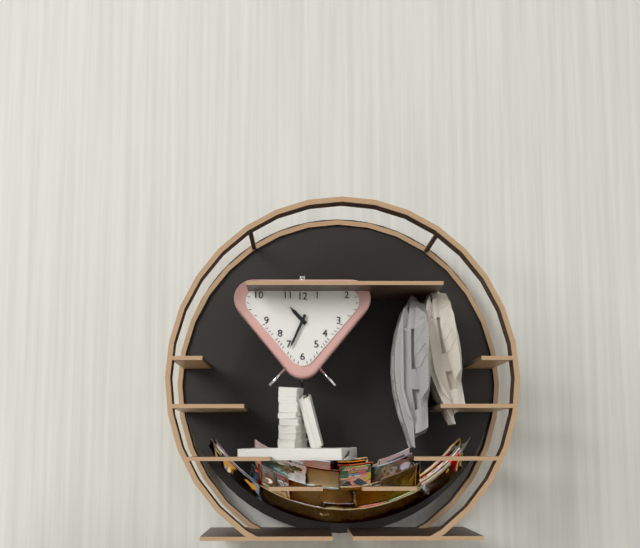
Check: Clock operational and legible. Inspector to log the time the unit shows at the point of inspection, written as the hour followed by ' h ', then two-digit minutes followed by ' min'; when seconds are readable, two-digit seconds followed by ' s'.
10 h 34 min
